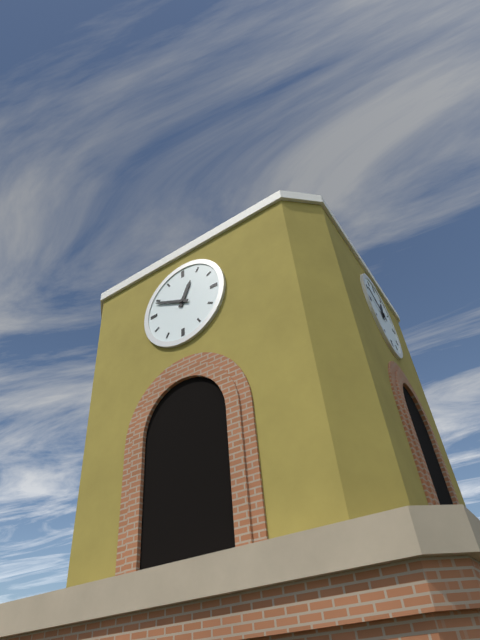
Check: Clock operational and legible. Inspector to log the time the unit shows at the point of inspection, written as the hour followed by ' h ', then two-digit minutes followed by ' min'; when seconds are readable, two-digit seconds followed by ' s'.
12 h 49 min
